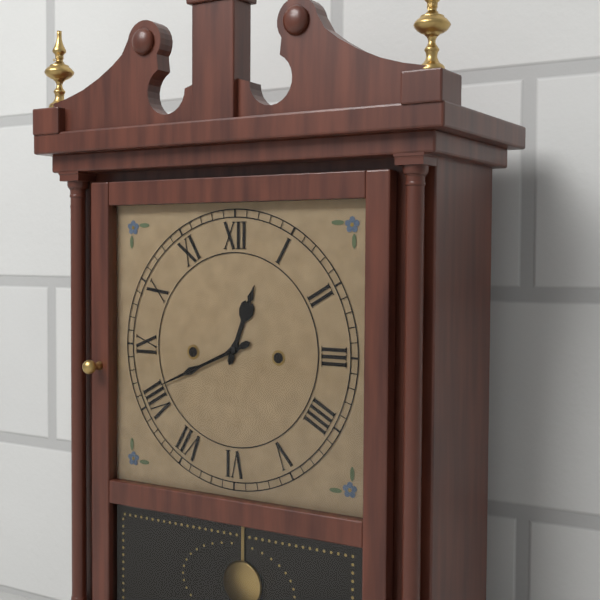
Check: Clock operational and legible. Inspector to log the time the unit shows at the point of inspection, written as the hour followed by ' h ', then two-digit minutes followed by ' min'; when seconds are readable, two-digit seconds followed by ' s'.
12 h 41 min
